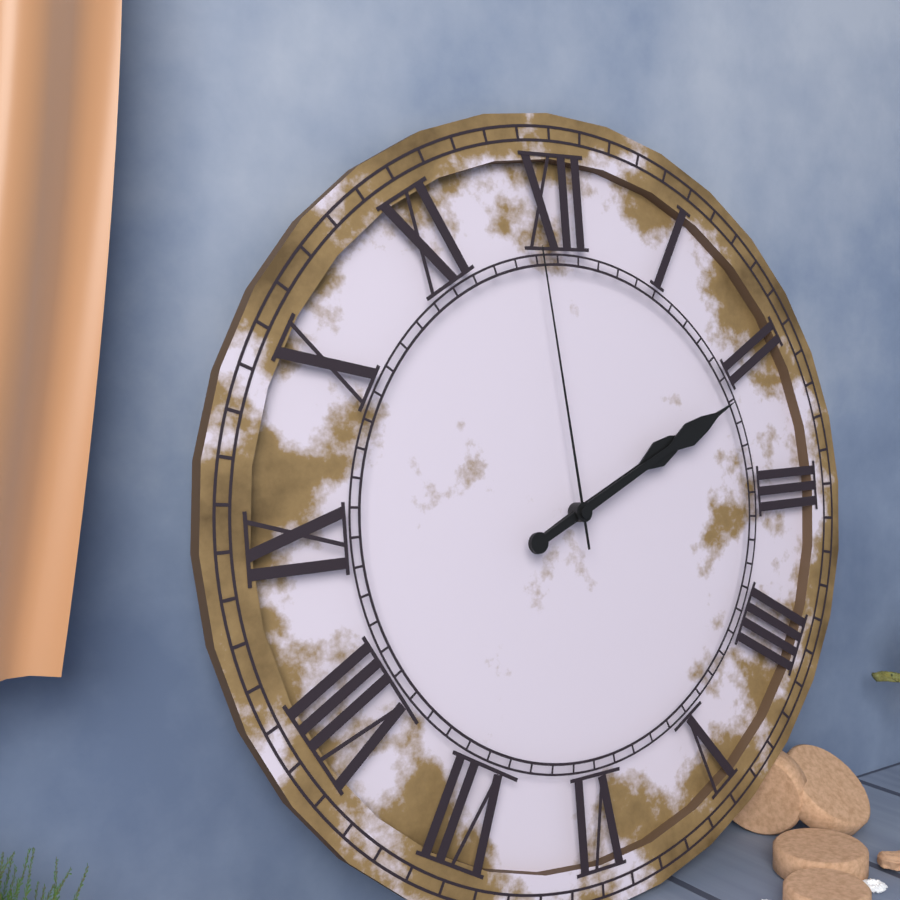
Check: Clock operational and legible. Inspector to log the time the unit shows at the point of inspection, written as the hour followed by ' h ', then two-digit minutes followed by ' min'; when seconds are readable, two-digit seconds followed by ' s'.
2 h 11 min 59 s
